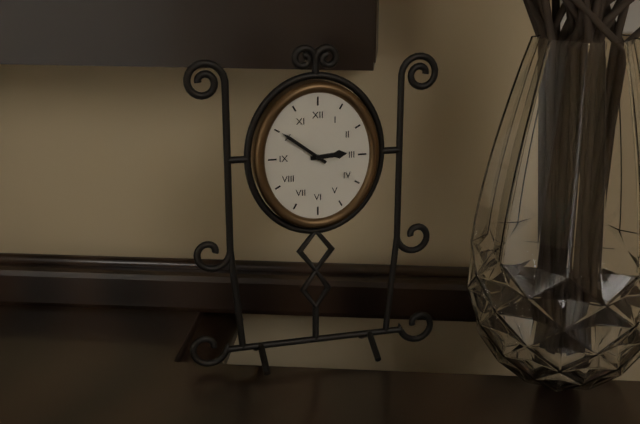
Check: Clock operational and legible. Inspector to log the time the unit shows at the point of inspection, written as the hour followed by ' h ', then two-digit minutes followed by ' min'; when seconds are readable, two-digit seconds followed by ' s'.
2 h 51 min
